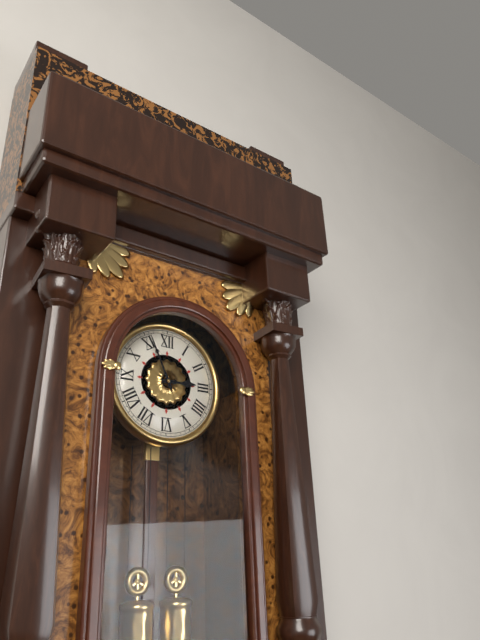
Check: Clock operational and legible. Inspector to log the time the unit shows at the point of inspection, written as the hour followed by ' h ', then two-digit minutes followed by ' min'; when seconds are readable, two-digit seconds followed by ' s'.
2 h 56 min
